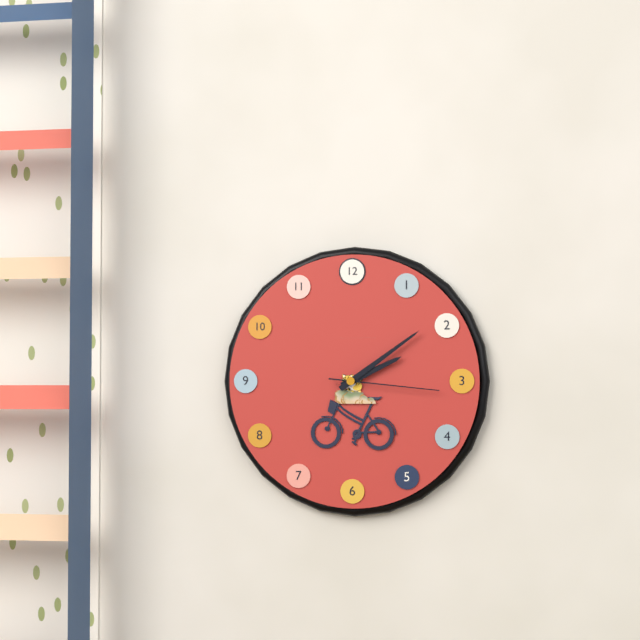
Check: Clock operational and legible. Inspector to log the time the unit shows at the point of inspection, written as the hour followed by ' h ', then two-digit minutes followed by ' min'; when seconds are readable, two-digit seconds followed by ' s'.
2 h 09 min 16 s
